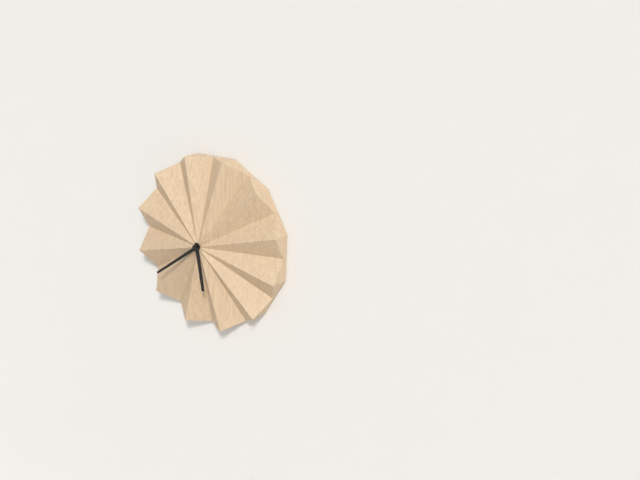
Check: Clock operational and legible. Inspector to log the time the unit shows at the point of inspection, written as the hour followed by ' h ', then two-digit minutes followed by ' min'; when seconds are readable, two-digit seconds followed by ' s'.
5 h 39 min
